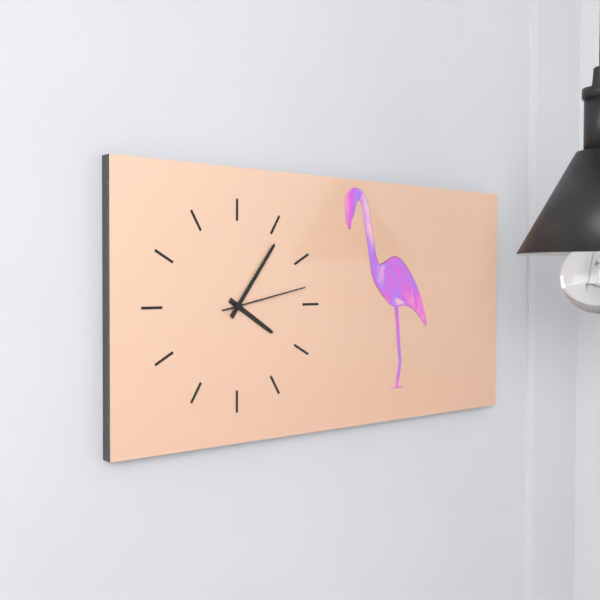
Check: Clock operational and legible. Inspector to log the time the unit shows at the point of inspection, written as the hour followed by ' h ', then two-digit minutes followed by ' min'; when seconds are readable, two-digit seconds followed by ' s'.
4 h 06 min 13 s
